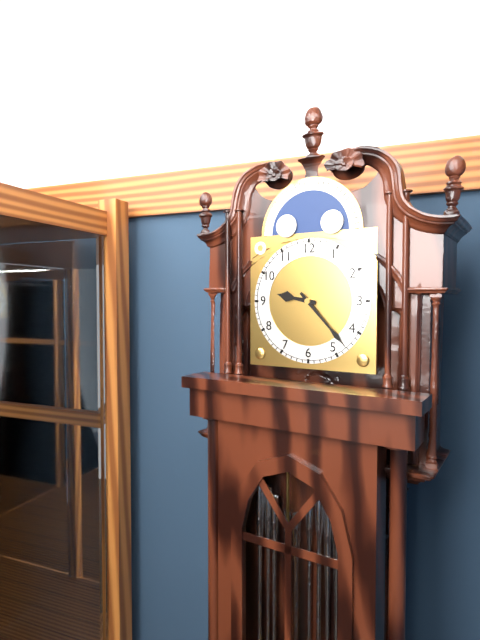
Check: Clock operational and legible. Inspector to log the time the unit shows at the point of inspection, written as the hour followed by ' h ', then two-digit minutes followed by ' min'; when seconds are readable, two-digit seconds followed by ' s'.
9 h 23 min
